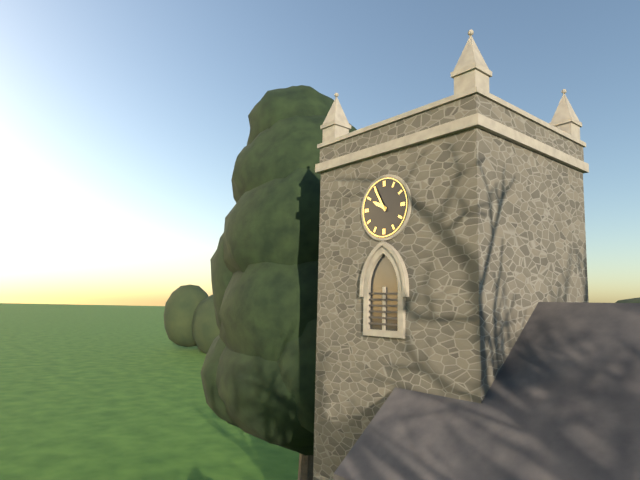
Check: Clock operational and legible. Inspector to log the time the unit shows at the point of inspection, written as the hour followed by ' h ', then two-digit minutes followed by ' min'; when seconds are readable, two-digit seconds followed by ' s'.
9 h 55 min
